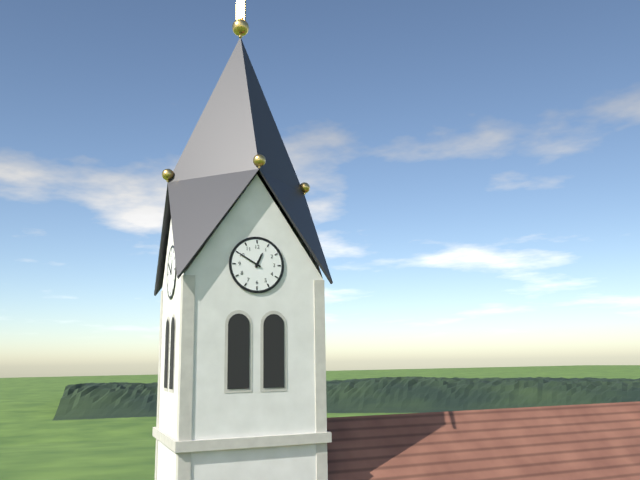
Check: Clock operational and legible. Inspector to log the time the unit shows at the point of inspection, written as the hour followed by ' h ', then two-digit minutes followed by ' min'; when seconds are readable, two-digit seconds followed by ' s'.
12 h 50 min
